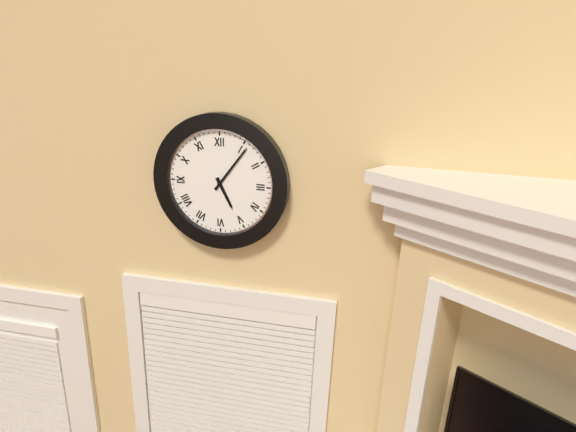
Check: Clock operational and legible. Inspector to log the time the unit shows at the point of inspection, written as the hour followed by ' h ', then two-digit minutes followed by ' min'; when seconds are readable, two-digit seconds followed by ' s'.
5 h 06 min
